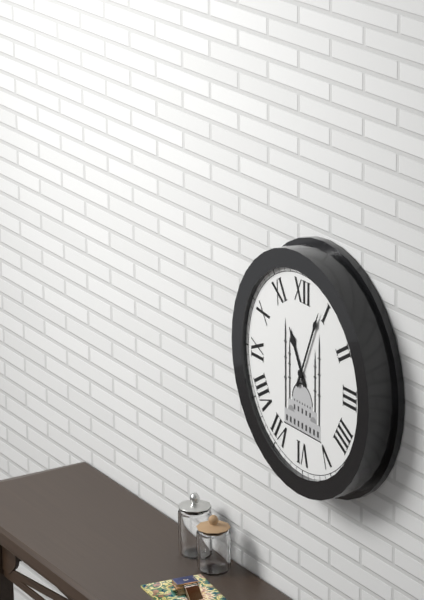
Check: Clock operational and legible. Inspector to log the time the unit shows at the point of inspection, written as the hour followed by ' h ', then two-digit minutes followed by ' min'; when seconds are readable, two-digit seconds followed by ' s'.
11 h 04 min
